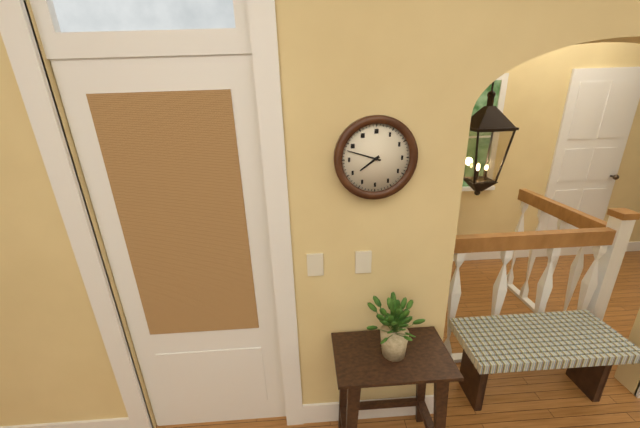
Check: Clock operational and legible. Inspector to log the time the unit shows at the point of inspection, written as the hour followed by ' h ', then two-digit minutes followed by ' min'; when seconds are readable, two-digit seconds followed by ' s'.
7 h 48 min
